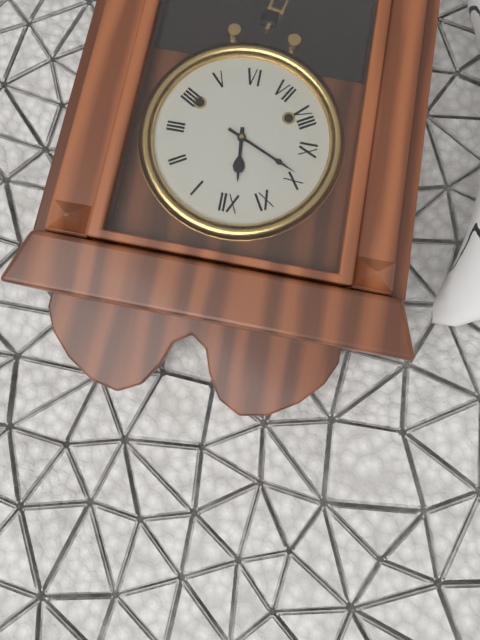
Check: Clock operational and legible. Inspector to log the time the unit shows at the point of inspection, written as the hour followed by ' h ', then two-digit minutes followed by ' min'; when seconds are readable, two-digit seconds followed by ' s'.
11 h 49 min
